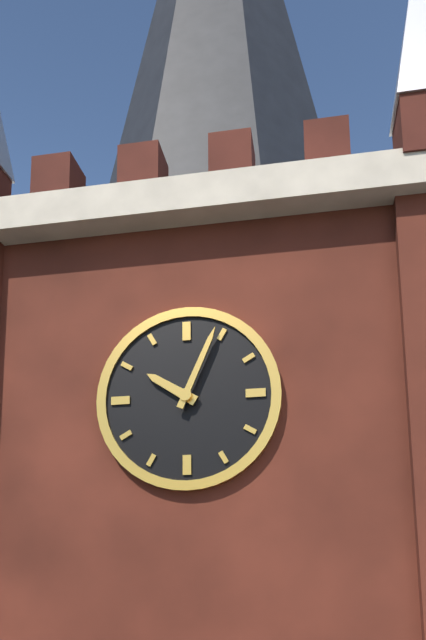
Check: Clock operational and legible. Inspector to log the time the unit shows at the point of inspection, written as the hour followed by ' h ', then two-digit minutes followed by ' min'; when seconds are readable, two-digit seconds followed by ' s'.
10 h 04 min
